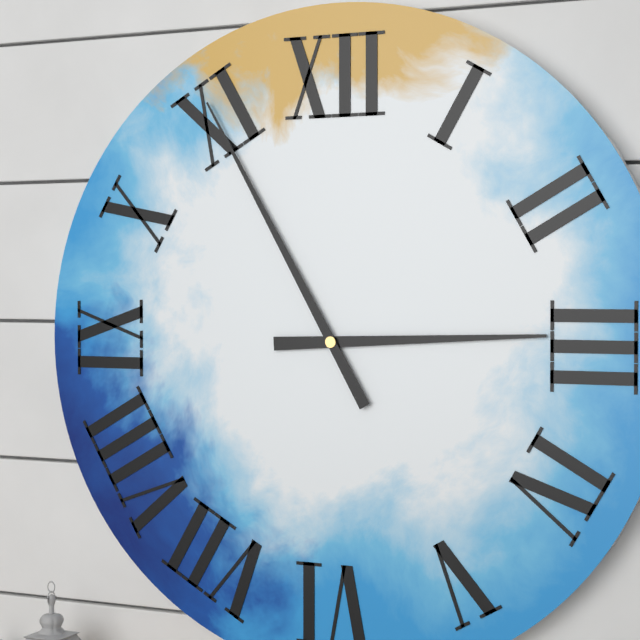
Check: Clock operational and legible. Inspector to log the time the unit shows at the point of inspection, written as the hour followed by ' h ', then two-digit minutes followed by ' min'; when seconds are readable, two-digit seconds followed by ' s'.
2 h 55 min
